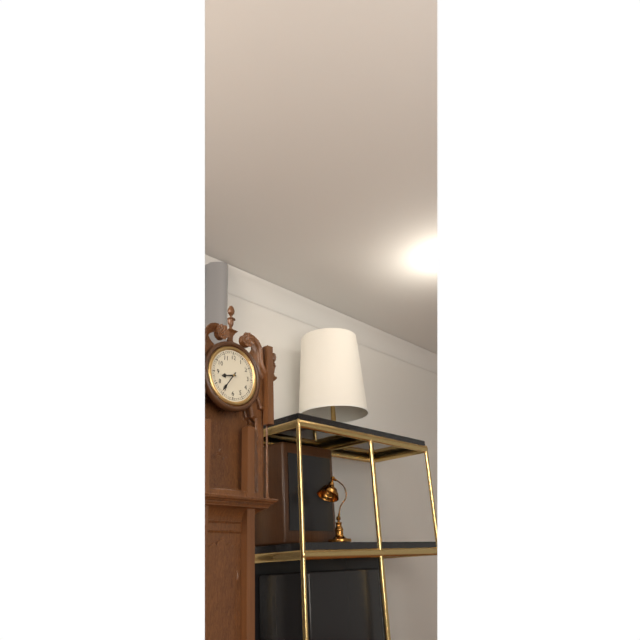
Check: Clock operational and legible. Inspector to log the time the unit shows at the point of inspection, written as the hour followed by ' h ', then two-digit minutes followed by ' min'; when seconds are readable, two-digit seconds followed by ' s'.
8 h 36 min
